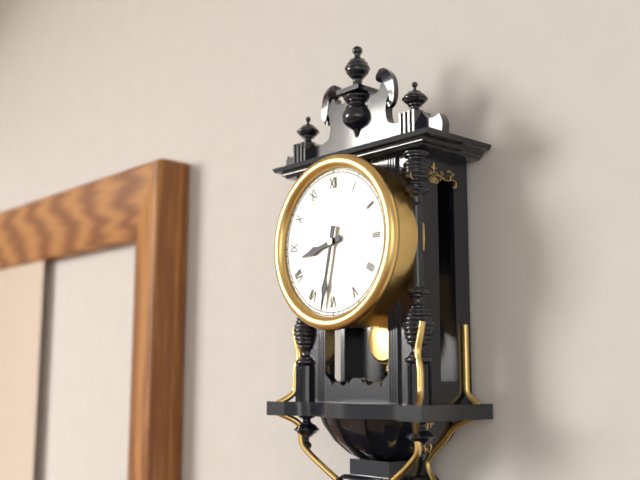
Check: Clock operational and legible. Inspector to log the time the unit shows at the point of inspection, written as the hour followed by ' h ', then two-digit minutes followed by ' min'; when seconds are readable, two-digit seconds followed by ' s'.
8 h 32 min
